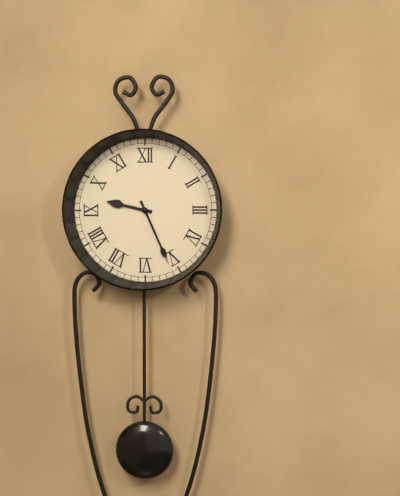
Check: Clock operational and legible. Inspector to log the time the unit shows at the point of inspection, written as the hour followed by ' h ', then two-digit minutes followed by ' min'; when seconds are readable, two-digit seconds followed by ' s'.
9 h 26 min
